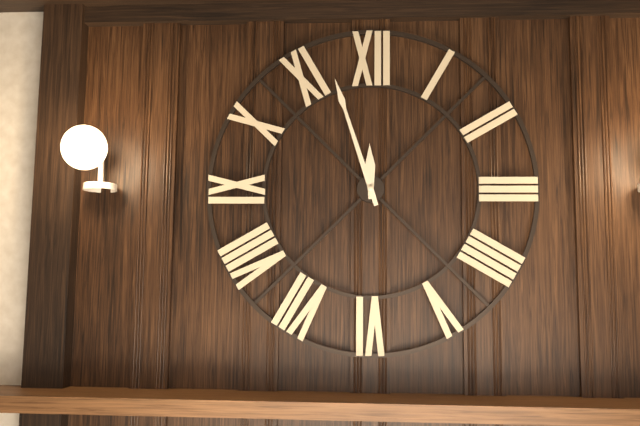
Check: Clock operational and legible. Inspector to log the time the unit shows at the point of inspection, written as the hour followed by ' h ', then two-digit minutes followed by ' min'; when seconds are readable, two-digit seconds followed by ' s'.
11 h 57 min
